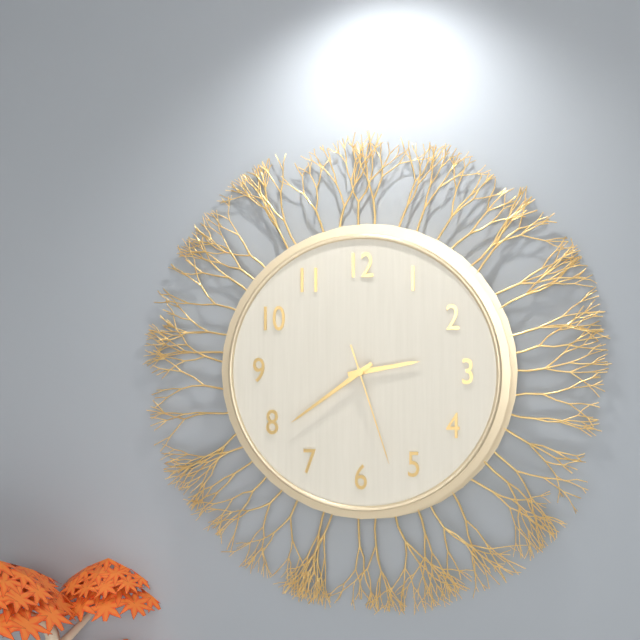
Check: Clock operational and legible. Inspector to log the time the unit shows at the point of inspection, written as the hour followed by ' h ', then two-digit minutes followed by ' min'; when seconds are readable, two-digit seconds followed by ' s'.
2 h 39 min 27 s
